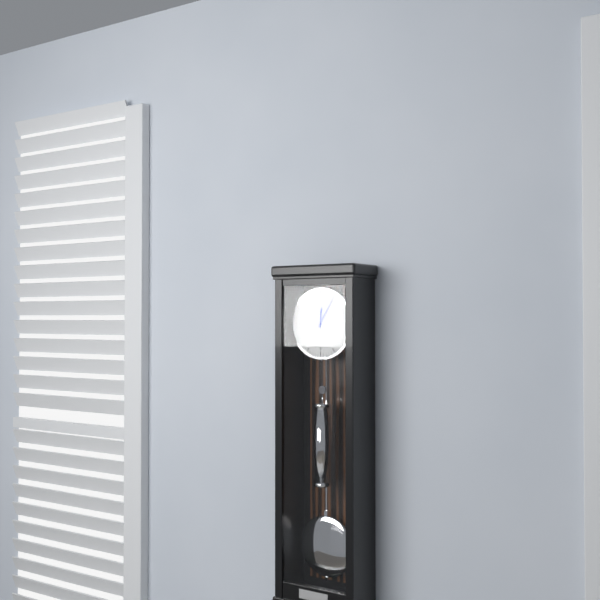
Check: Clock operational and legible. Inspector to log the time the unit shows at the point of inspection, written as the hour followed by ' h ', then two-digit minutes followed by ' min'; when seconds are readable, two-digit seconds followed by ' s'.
12 h 05 min
